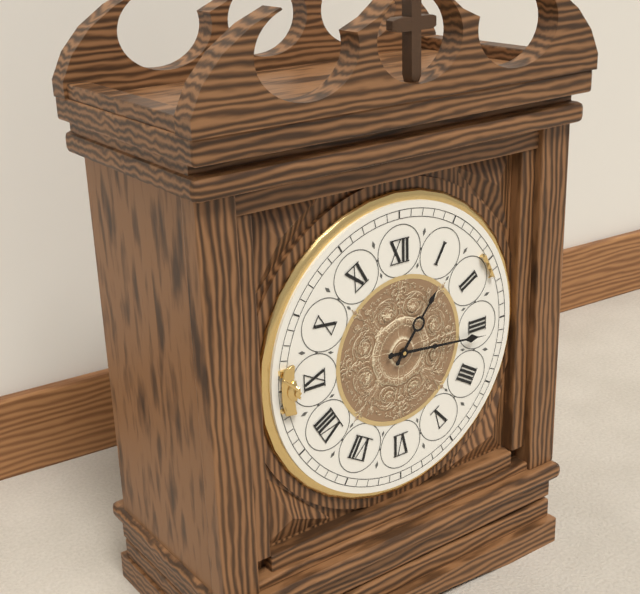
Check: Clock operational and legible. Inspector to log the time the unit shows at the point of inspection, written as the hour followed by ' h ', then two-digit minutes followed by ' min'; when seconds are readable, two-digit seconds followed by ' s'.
1 h 16 min
